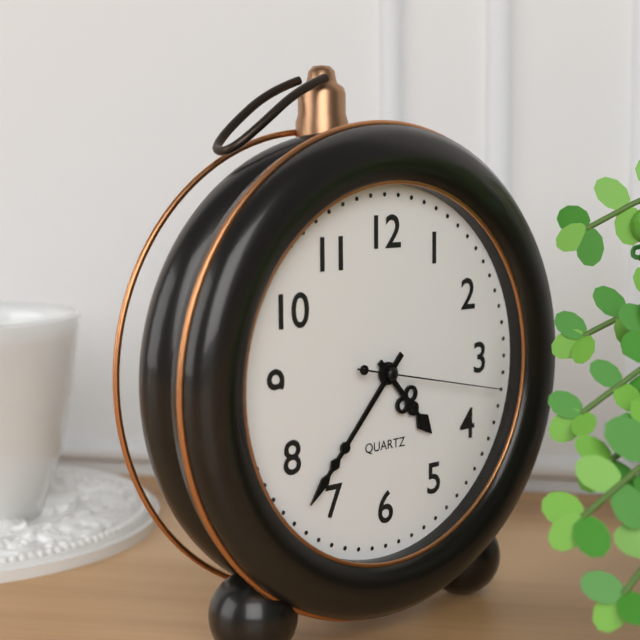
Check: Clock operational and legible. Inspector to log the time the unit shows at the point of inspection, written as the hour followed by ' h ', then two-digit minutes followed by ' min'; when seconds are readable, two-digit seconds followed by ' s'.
4 h 37 min 17 s
